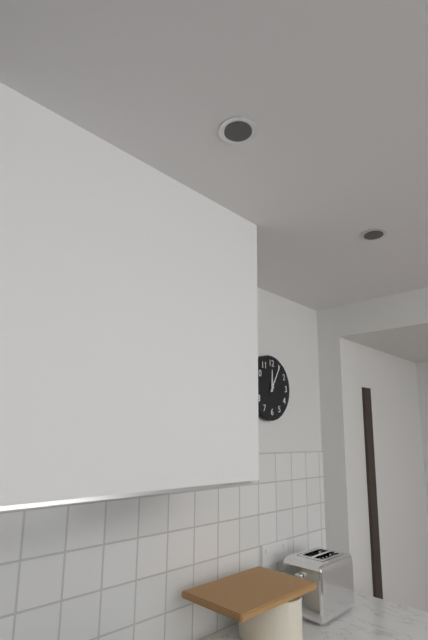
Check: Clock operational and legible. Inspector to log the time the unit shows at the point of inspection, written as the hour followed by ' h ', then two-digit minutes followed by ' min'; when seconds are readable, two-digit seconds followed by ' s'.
12 h 05 min
